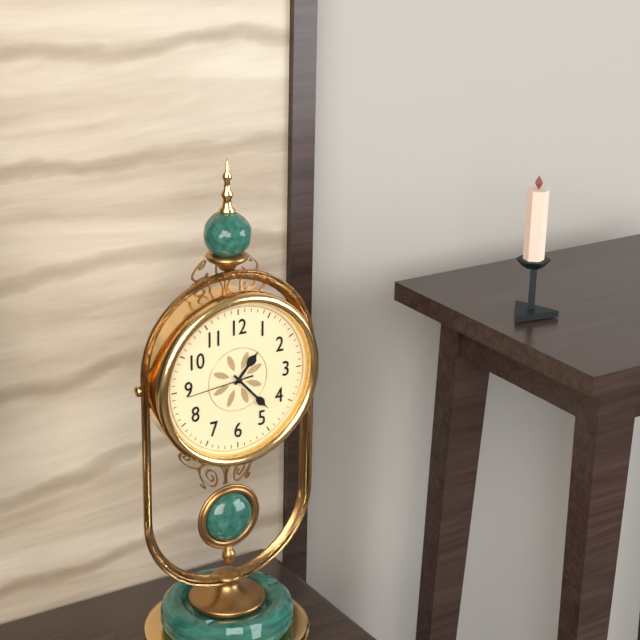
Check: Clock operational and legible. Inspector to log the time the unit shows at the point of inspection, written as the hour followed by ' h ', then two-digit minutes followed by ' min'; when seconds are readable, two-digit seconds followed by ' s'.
1 h 23 min 44 s
